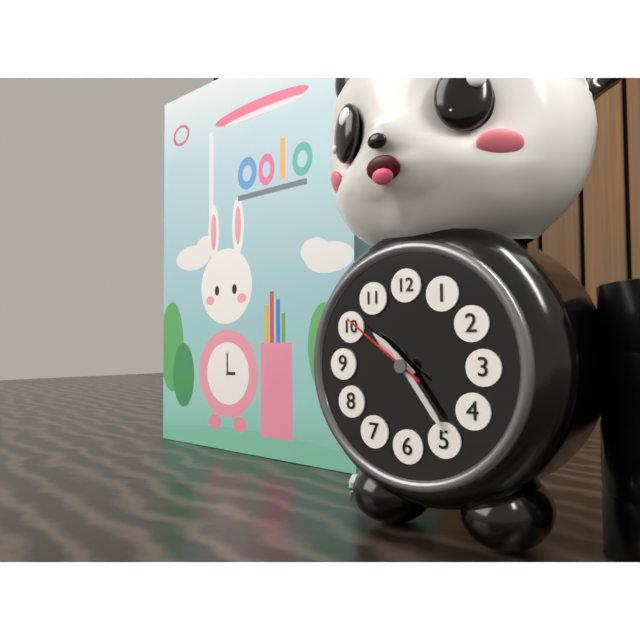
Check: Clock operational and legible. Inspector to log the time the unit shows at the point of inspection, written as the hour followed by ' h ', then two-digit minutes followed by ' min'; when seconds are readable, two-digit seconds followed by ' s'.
10 h 24 min 51 s
